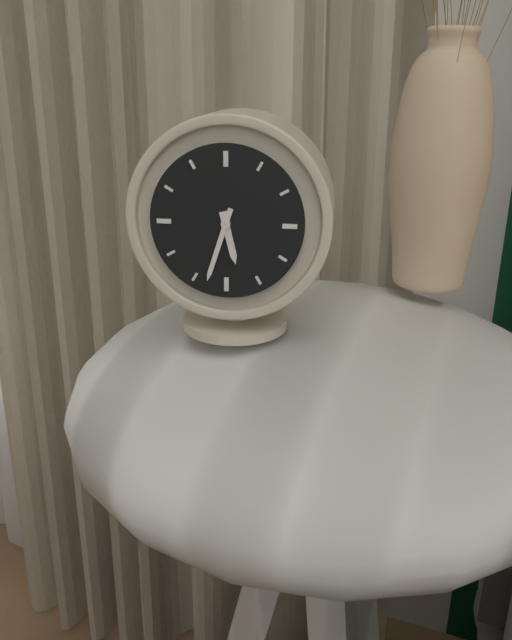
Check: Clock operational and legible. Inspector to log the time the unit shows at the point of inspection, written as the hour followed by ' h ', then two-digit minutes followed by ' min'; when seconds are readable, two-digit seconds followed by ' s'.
5 h 33 min
